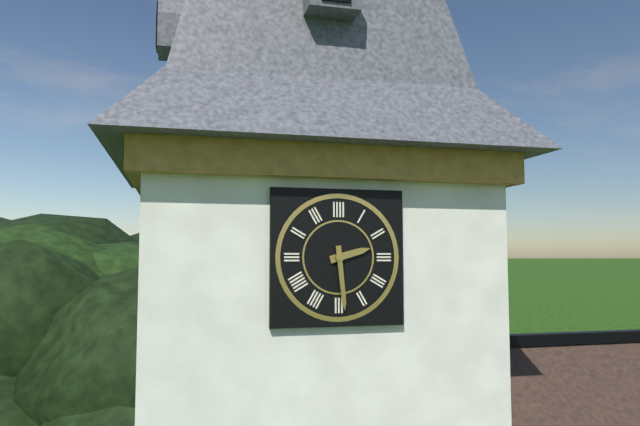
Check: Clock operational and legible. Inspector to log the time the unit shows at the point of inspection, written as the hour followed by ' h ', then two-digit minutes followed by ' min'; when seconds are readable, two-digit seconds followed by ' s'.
2 h 29 min
